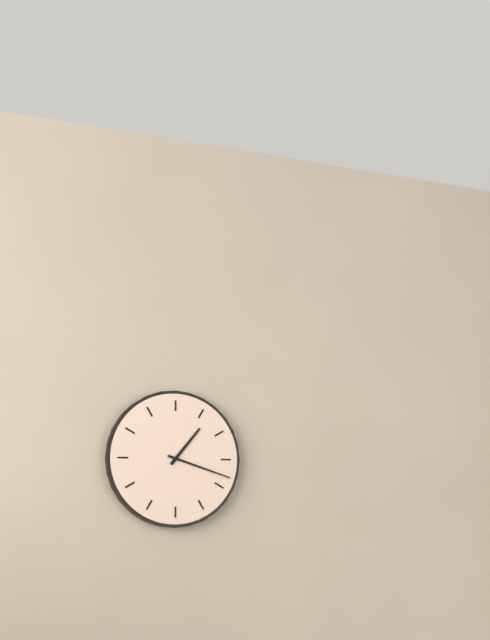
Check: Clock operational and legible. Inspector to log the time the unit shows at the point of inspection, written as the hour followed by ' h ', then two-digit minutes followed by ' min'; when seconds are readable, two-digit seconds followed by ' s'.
1 h 18 min
